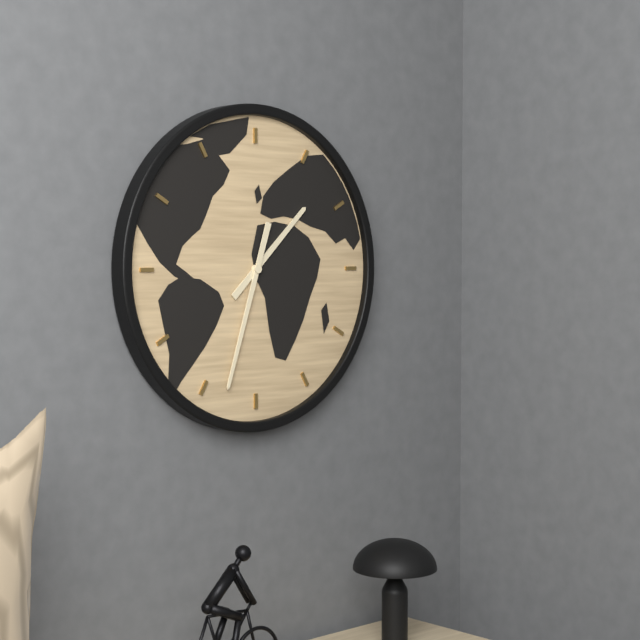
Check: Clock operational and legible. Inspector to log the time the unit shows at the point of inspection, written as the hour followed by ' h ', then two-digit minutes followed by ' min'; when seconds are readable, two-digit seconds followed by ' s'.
1 h 33 min
